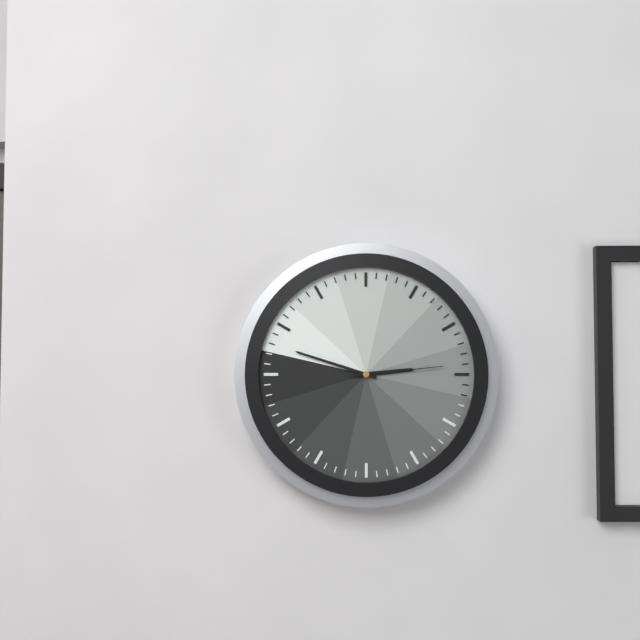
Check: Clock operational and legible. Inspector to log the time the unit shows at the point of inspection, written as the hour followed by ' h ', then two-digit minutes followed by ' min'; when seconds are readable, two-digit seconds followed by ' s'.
2 h 48 min 14 s
